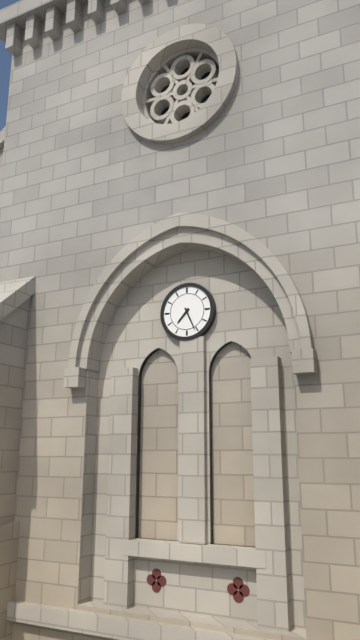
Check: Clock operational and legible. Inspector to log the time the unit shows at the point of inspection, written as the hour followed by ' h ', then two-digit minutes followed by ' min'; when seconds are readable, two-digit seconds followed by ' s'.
7 h 26 min
